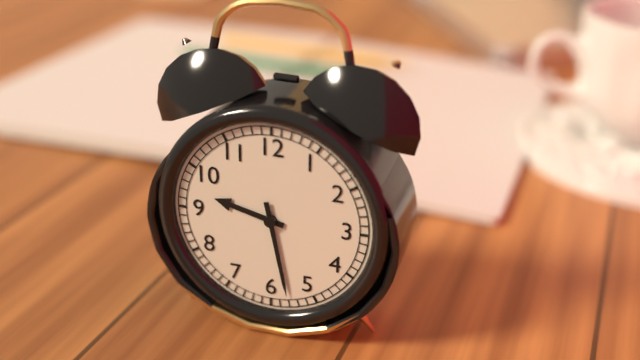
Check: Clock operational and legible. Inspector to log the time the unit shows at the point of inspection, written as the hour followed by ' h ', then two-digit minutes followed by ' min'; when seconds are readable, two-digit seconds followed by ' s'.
9 h 28 min
